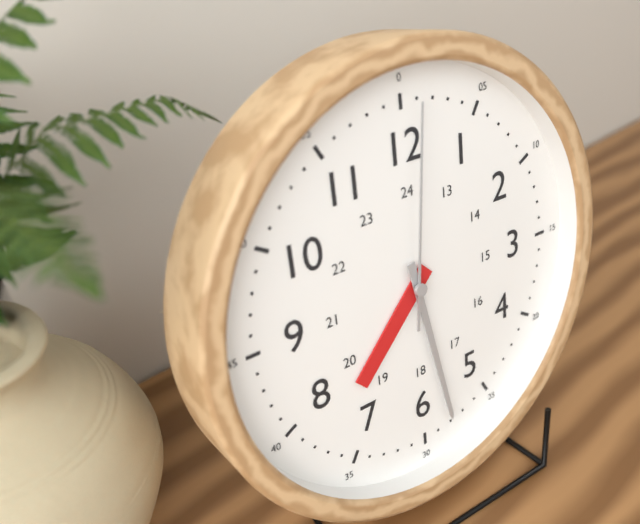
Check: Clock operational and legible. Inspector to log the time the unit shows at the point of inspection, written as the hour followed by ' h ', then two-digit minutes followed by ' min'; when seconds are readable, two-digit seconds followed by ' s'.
7 h 28 min 01 s
